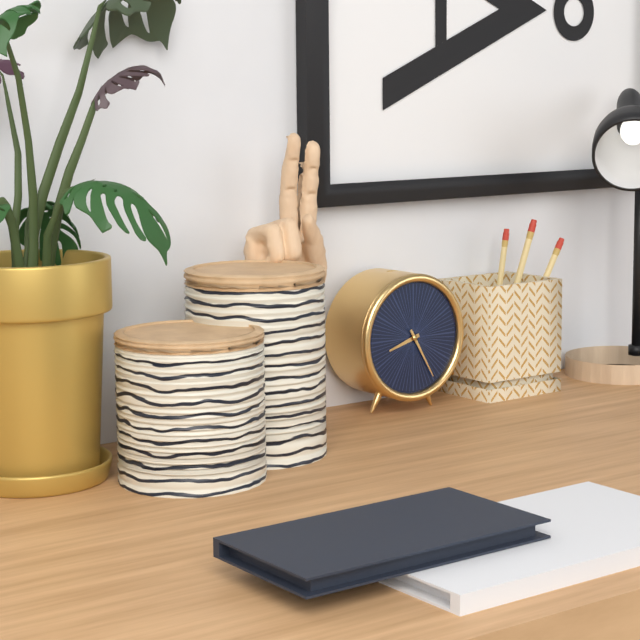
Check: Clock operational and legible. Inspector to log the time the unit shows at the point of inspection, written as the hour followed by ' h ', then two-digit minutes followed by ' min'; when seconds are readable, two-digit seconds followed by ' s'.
8 h 25 min
